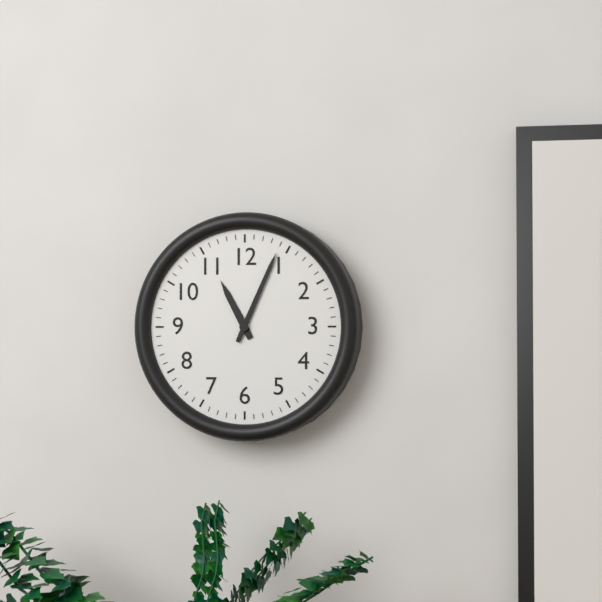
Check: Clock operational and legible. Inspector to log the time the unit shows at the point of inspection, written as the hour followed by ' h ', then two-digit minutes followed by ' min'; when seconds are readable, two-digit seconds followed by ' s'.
11 h 04 min
